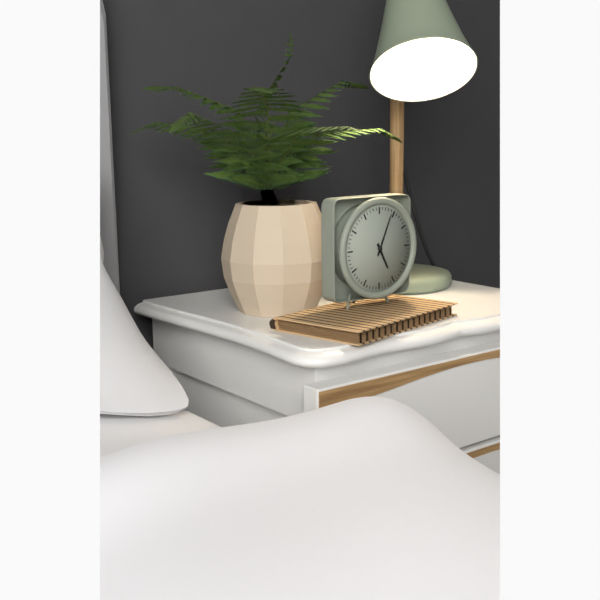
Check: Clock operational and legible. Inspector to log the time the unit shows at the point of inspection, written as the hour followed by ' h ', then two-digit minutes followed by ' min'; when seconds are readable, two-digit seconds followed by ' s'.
5 h 04 min
